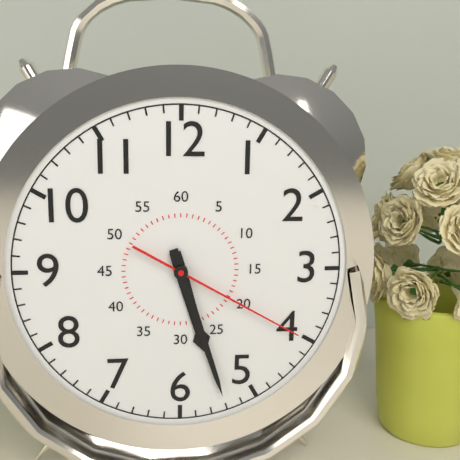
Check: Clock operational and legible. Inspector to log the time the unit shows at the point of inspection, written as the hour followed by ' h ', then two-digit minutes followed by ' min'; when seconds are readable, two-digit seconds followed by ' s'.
5 h 27 min 20 s
